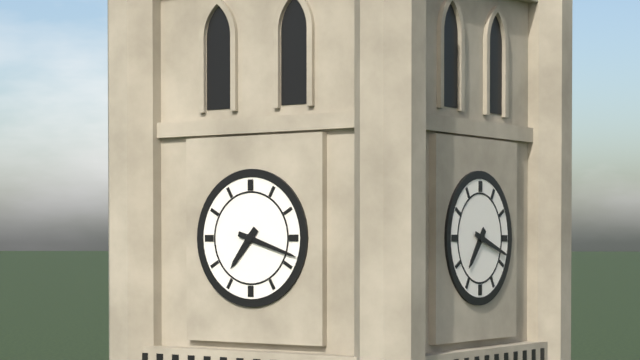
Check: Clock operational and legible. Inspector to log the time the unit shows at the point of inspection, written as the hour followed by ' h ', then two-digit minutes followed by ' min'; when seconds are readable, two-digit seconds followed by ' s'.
7 h 18 min
